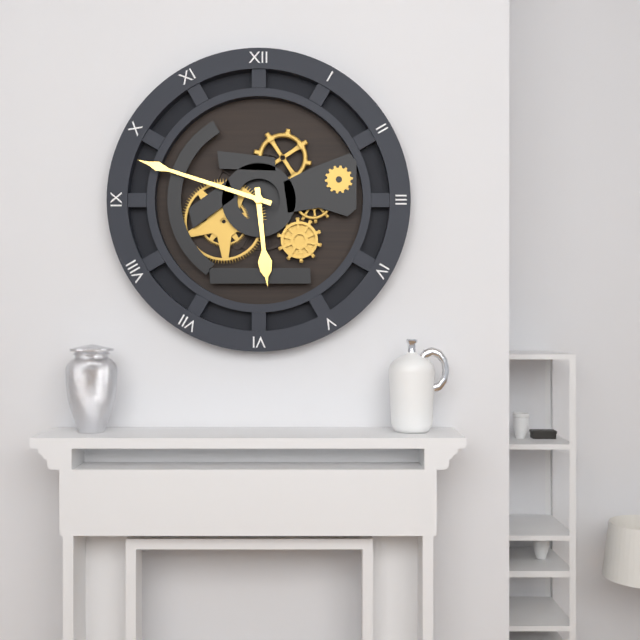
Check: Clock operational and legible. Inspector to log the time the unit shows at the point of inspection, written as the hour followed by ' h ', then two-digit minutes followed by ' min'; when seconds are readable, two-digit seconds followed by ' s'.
5 h 48 min
